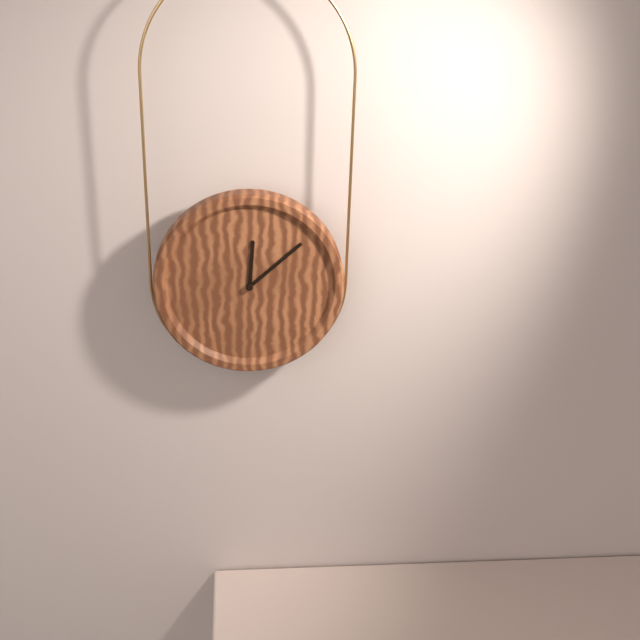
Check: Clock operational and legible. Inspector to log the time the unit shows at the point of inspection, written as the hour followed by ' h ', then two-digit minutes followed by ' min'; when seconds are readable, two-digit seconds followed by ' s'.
12 h 08 min
